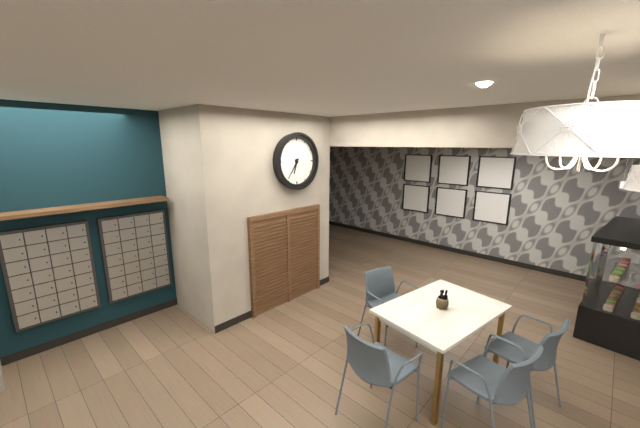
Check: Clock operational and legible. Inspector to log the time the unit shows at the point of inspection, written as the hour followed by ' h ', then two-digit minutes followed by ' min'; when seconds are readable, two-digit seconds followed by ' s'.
6 h 36 min
